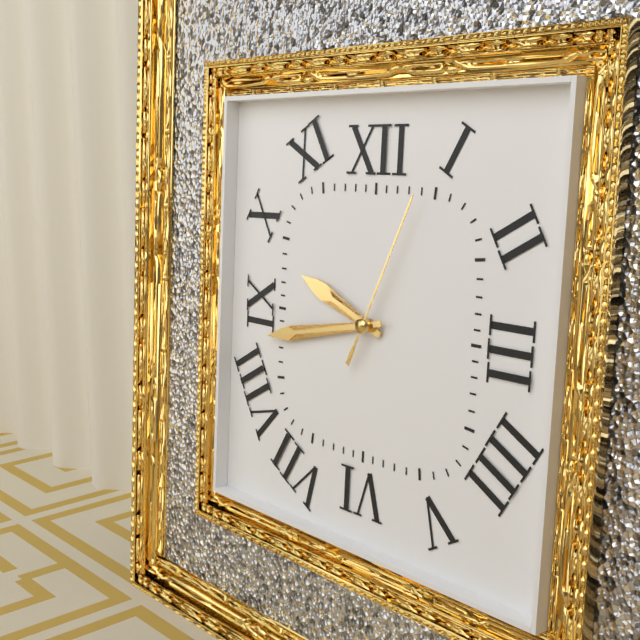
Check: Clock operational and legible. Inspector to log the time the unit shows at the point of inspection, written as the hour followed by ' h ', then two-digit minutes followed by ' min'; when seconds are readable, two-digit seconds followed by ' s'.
9 h 43 min 04 s
